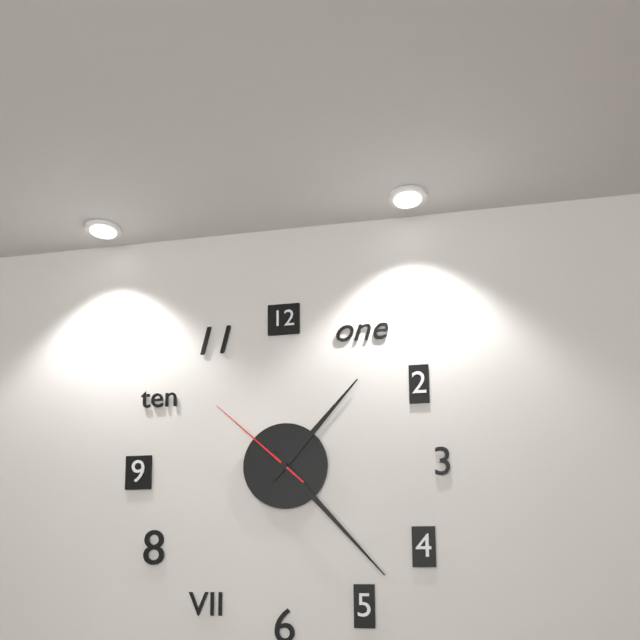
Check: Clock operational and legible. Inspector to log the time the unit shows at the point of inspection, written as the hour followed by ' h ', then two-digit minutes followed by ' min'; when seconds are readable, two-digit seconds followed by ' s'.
1 h 23 min 52 s
